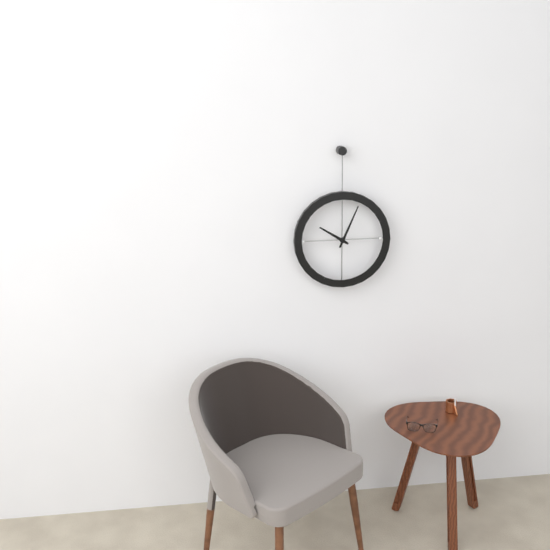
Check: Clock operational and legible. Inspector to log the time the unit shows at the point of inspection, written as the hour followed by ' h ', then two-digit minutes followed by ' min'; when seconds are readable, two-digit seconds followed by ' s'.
10 h 04 min
